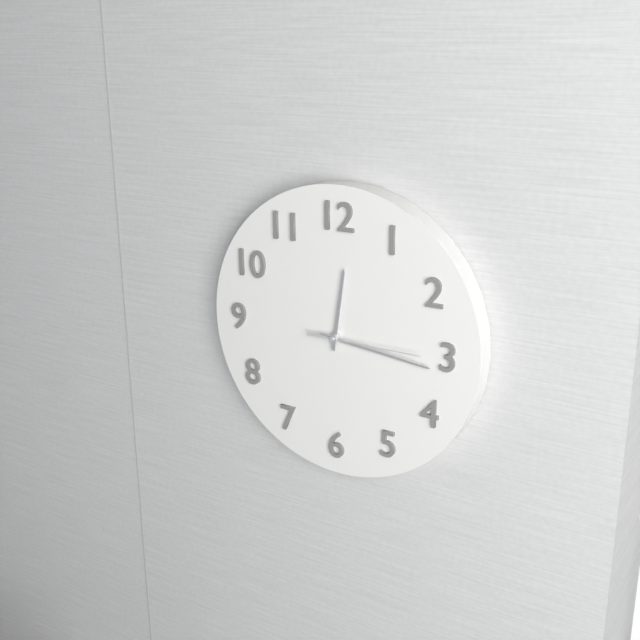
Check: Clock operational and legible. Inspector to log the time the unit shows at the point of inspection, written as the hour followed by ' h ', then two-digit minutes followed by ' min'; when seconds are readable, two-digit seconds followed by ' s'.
12 h 16 min 15 s
